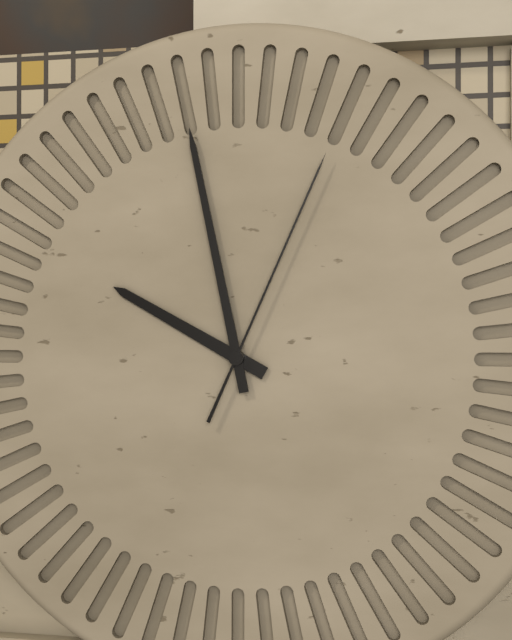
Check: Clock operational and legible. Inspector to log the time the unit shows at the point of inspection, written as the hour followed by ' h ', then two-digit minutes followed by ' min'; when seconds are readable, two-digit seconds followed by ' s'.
9 h 58 min 04 s
